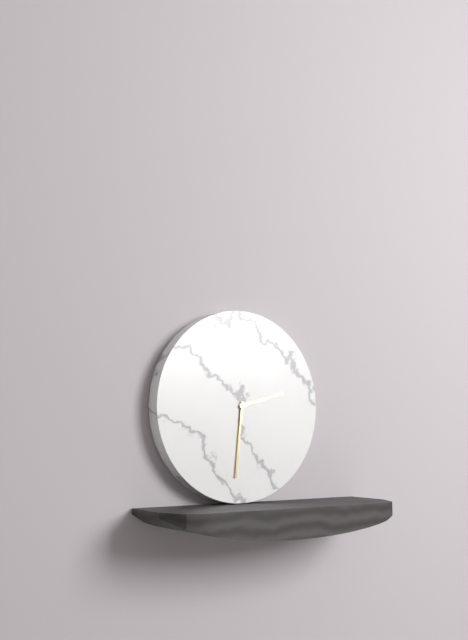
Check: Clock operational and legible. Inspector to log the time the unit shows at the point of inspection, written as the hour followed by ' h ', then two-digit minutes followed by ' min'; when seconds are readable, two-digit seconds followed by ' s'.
2 h 31 min
